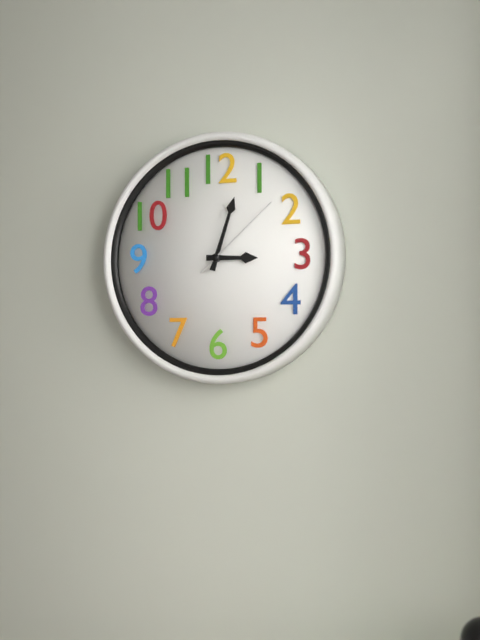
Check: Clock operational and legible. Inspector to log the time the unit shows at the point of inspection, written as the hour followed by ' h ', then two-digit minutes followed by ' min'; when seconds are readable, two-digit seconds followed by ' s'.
3 h 03 min 08 s
